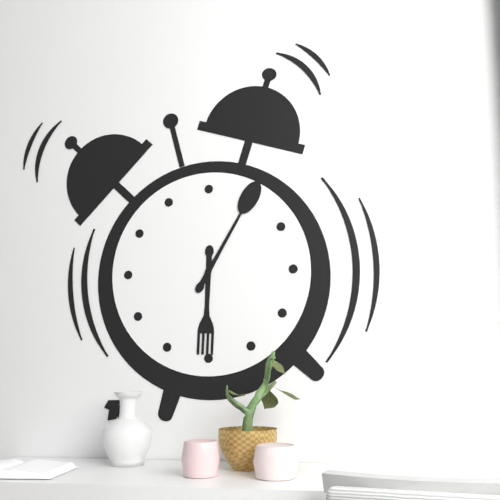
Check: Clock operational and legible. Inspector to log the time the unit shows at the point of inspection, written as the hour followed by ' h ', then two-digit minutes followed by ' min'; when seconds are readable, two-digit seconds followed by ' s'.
6 h 05 min
